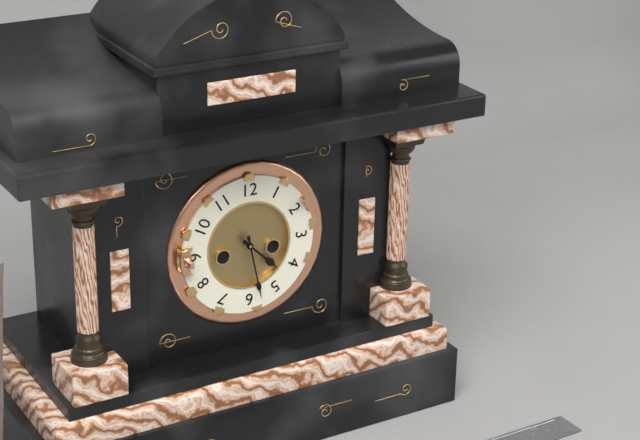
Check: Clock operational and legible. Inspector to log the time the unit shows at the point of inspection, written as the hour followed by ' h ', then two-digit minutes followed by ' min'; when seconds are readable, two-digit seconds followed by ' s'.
4 h 28 min
